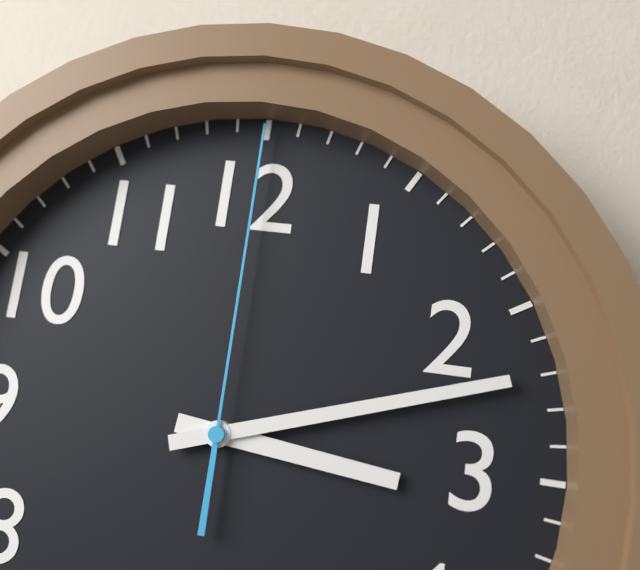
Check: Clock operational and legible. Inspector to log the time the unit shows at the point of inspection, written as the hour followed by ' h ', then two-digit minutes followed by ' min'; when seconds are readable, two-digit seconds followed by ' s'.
3 h 12 min 00 s
